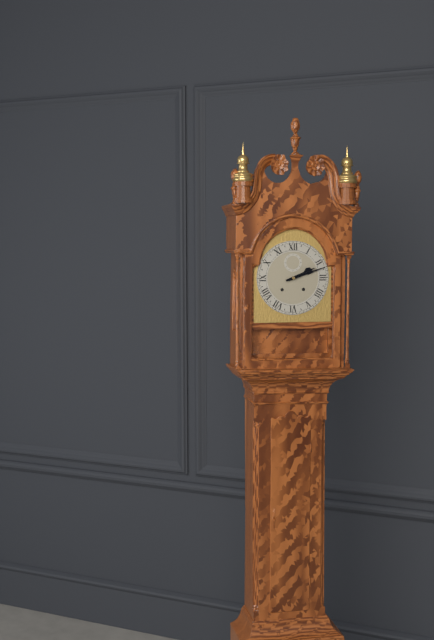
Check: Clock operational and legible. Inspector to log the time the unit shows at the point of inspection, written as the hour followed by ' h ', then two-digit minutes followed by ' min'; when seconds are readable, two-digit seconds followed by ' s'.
2 h 12 min
